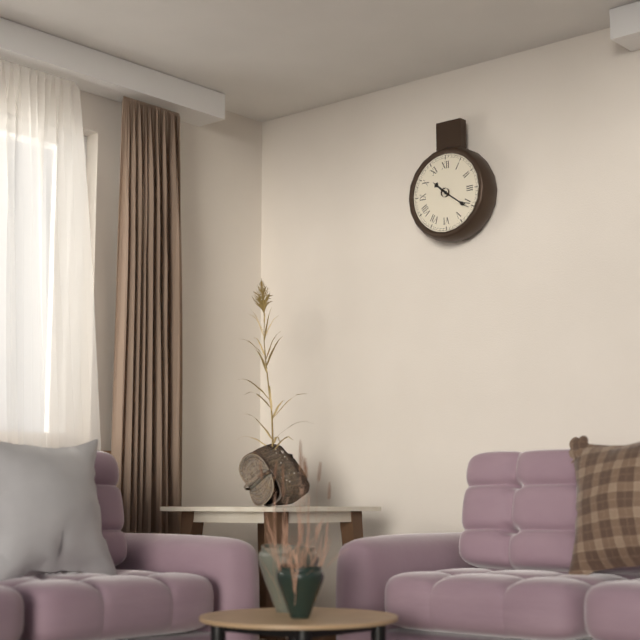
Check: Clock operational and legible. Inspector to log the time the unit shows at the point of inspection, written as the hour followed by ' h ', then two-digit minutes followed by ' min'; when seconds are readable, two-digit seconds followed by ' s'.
10 h 21 min
